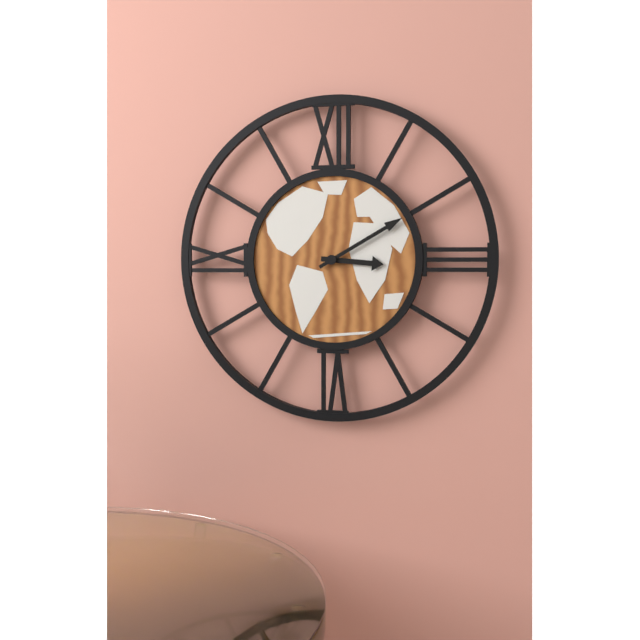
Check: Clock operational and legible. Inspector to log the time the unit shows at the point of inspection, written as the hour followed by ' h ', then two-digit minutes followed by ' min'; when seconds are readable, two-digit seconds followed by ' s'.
3 h 10 min
